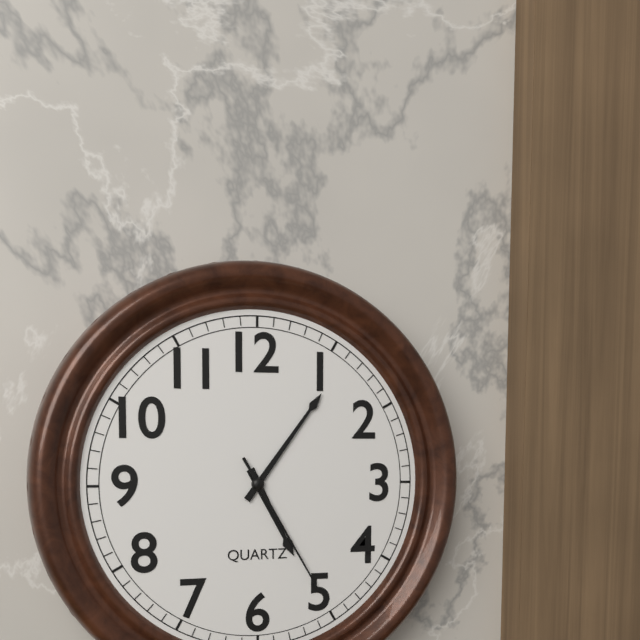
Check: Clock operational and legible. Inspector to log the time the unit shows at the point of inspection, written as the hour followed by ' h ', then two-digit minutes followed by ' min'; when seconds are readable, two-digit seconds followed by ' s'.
5 h 06 min 25 s
